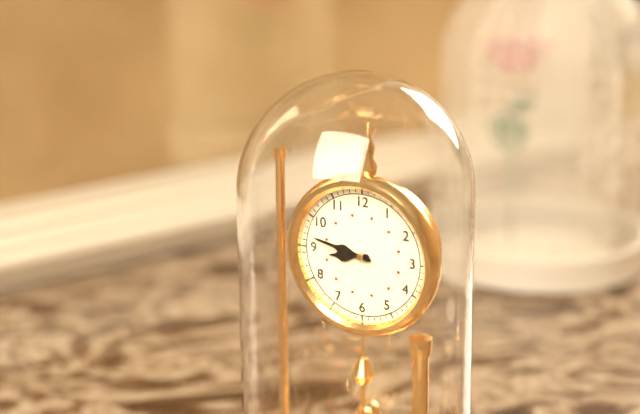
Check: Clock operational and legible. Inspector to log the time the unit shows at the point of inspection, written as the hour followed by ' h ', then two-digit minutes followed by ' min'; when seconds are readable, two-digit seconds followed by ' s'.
8 h 47 min
